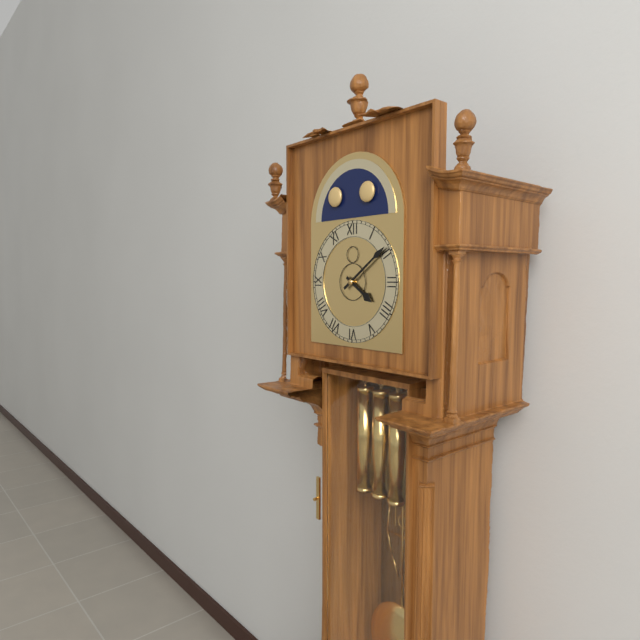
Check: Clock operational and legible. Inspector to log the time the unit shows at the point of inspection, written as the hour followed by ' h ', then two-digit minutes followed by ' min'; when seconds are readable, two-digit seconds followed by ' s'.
4 h 09 min
